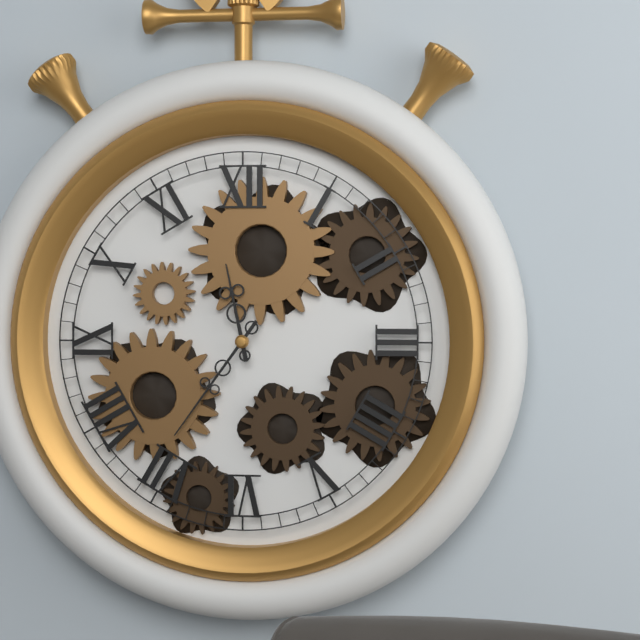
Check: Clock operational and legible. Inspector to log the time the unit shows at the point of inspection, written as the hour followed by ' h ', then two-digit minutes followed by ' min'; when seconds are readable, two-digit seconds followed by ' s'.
11 h 36 min
